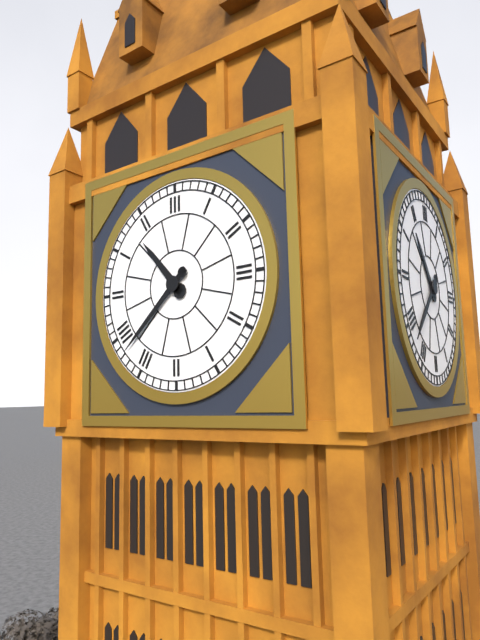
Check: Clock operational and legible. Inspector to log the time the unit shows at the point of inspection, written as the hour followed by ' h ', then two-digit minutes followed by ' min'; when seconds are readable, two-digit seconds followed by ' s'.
10 h 38 min
